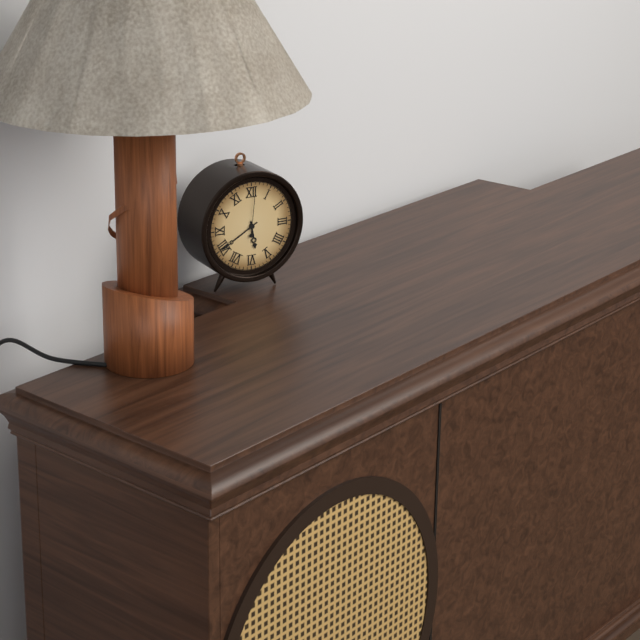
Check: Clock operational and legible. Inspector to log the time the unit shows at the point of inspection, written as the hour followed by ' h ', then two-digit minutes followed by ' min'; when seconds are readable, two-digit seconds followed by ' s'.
5 h 40 min 01 s
